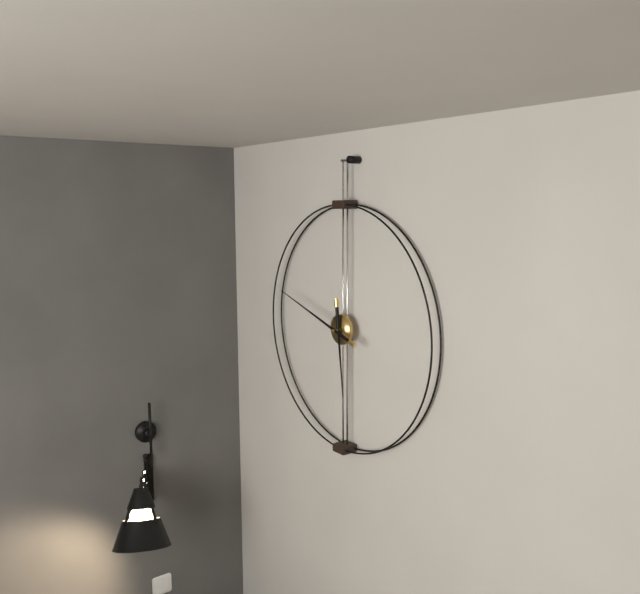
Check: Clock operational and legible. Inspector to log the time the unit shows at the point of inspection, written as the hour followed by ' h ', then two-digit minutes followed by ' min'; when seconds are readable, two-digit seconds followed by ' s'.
5 h 48 min
